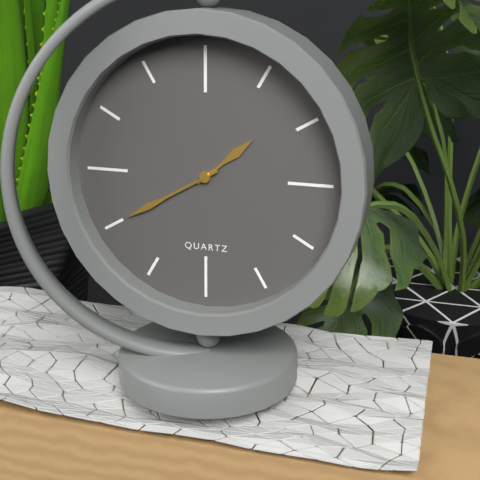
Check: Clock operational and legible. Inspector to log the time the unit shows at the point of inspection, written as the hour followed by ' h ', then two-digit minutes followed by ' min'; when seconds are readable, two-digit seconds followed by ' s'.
1 h 40 min
